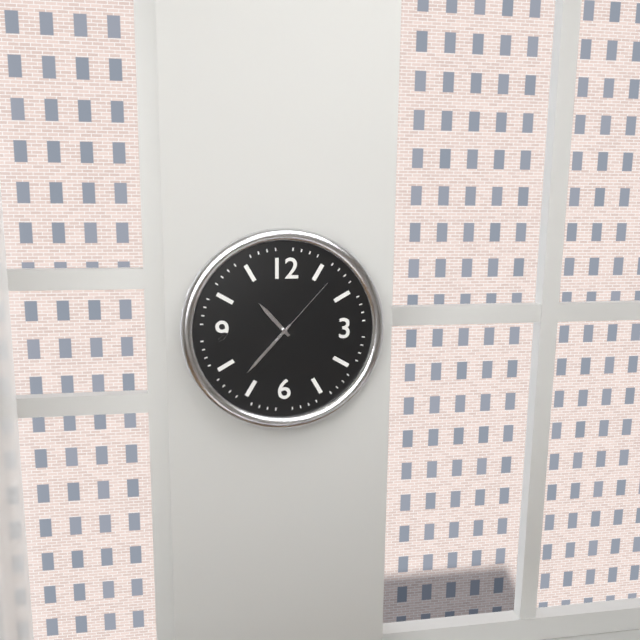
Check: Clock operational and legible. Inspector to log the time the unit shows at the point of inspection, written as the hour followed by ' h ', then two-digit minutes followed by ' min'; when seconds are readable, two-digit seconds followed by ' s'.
10 h 37 min 07 s
